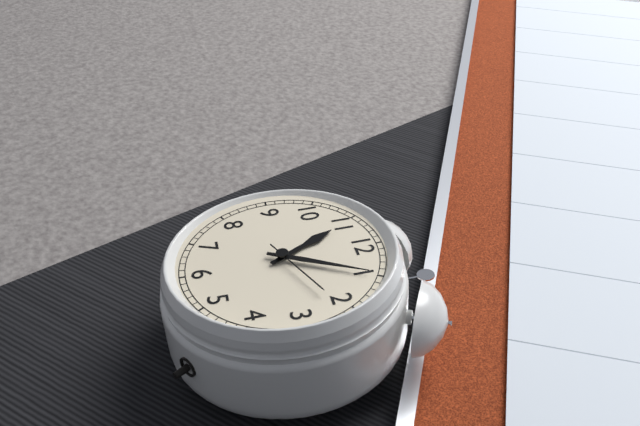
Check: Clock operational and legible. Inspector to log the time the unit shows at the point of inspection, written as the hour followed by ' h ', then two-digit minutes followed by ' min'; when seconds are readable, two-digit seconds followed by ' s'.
11 h 05 min 11 s
